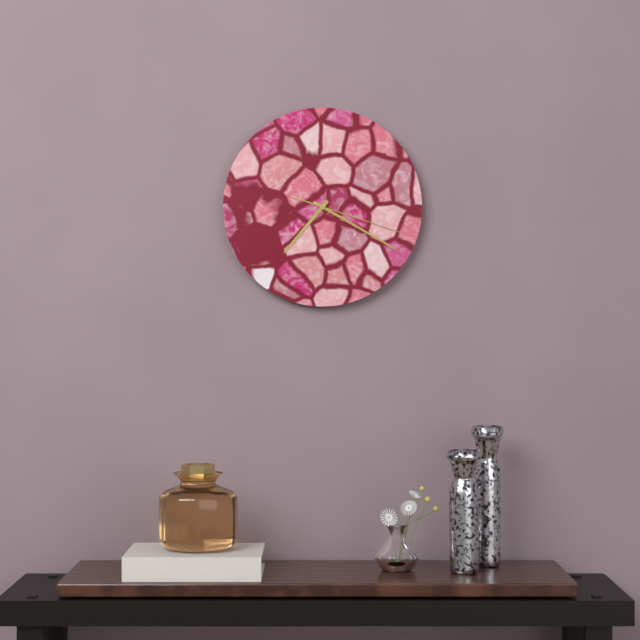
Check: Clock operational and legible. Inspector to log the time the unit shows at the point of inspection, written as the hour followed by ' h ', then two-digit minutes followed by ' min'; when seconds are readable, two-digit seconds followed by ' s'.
7 h 20 min 18 s
